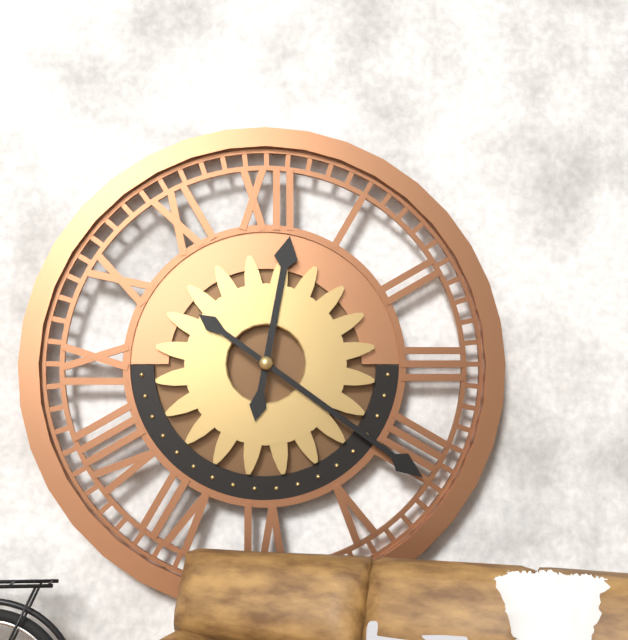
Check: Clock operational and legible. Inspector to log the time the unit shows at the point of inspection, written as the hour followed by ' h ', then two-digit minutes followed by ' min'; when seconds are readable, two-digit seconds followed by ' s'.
12 h 21 min
